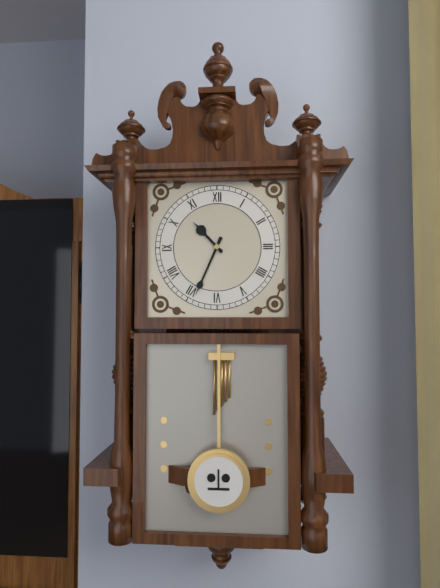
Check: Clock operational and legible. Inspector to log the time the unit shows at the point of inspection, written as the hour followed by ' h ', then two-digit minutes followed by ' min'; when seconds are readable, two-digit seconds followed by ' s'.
10 h 34 min
